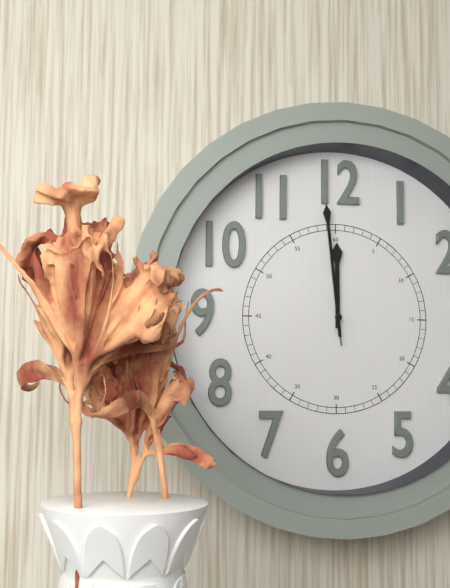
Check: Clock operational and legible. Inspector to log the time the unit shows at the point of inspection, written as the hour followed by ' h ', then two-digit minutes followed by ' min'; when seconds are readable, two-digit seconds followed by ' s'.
11 h 59 min 59 s
